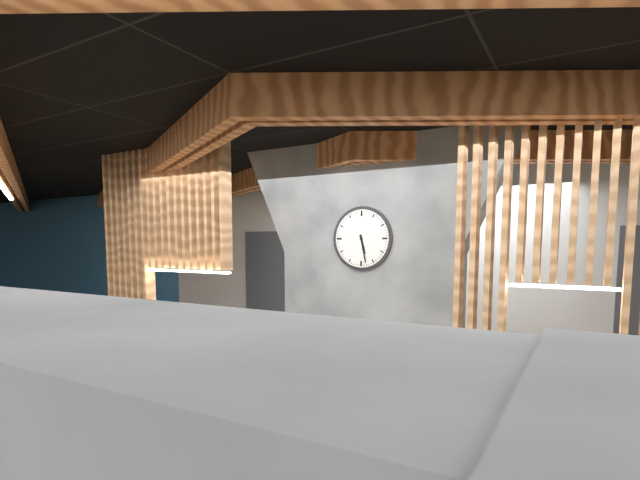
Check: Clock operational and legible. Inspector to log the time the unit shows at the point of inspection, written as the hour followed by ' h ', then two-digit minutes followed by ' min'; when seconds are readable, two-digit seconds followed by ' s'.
5 h 28 min
